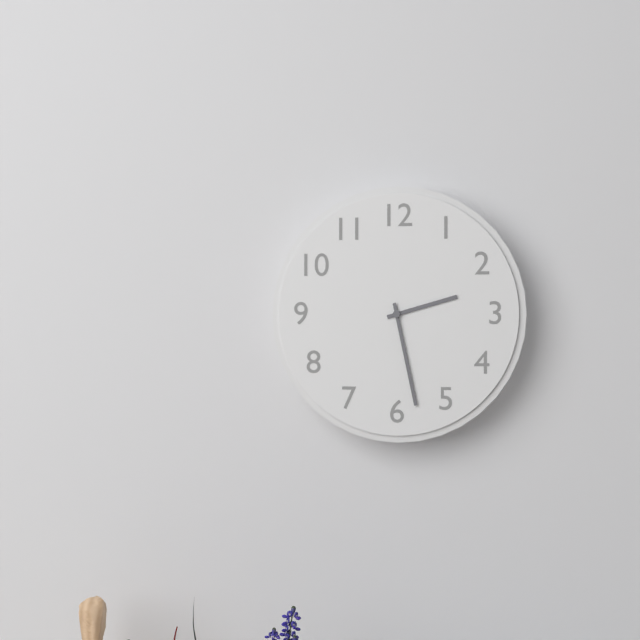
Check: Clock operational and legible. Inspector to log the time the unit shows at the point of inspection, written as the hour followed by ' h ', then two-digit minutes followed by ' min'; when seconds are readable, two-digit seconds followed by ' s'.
2 h 28 min
